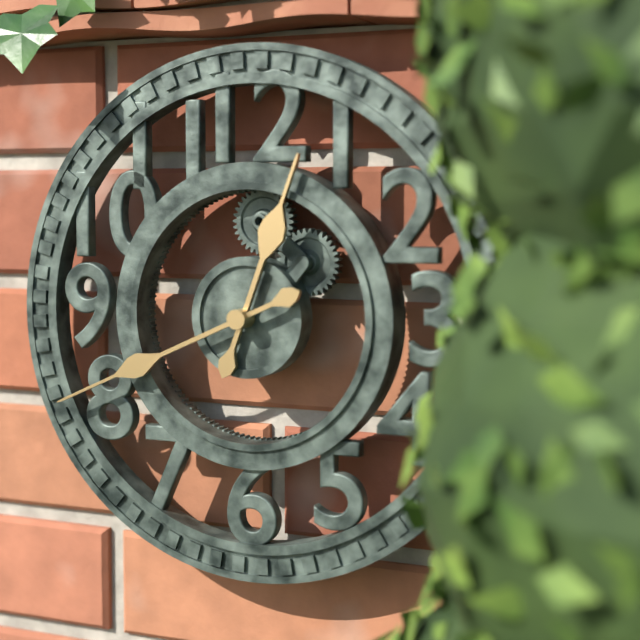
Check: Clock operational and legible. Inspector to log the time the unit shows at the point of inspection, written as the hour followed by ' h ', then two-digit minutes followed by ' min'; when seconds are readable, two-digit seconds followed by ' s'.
12 h 41 min
